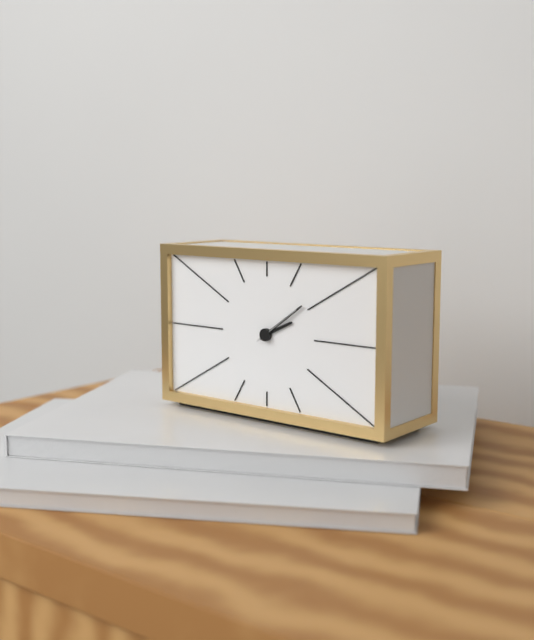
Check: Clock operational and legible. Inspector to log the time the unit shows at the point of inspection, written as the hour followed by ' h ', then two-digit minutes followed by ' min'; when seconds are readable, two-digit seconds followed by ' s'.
2 h 09 min 09 s
